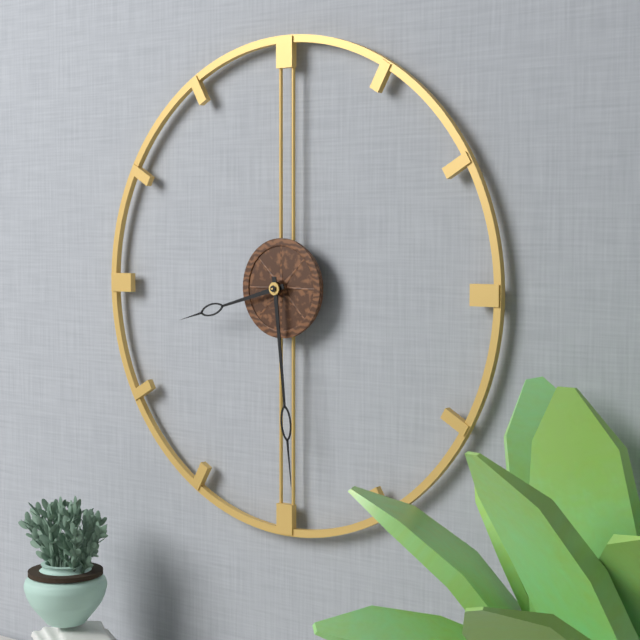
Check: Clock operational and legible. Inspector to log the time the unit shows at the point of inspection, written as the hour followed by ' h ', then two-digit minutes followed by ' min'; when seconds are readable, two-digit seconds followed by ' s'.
8 h 29 min
